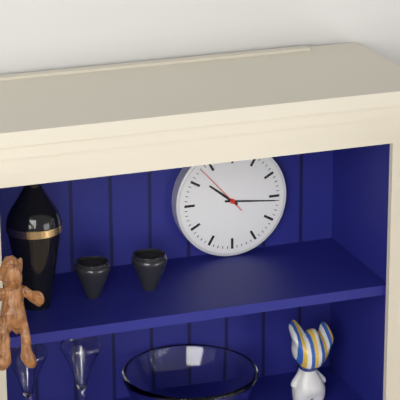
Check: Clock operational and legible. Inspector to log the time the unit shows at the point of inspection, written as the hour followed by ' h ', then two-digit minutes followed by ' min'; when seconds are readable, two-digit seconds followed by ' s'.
10 h 16 min 53 s
